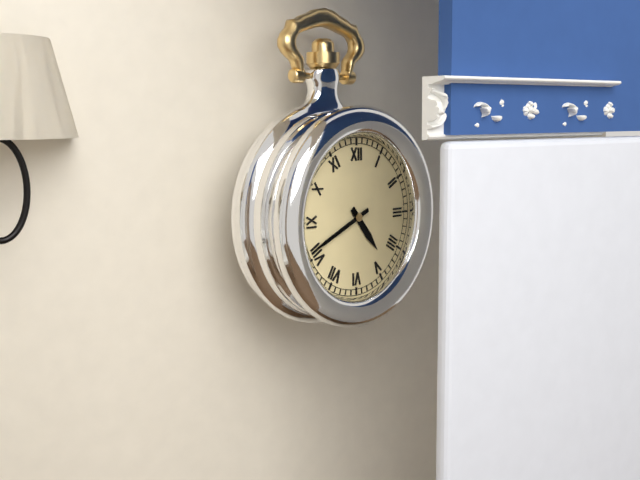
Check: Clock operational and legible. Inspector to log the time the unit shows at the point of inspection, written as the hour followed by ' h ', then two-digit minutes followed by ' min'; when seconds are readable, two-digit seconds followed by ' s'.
4 h 41 min
